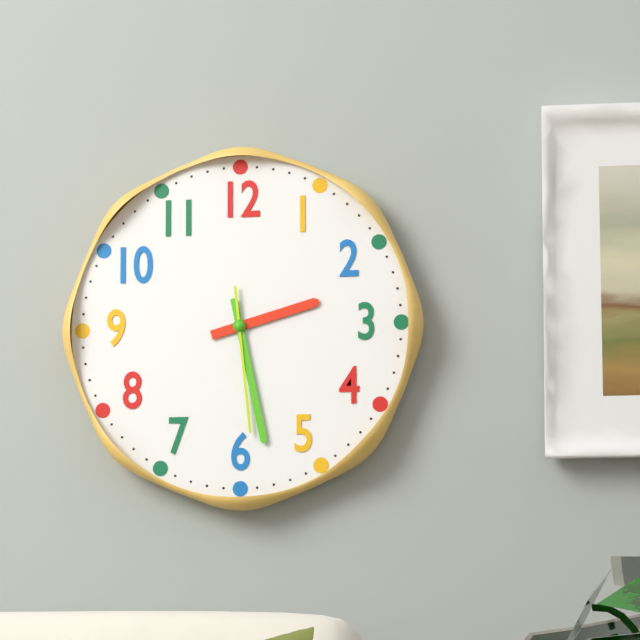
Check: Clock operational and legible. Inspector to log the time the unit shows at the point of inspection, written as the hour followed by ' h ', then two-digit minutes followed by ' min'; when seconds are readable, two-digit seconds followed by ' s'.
2 h 28 min 29 s
